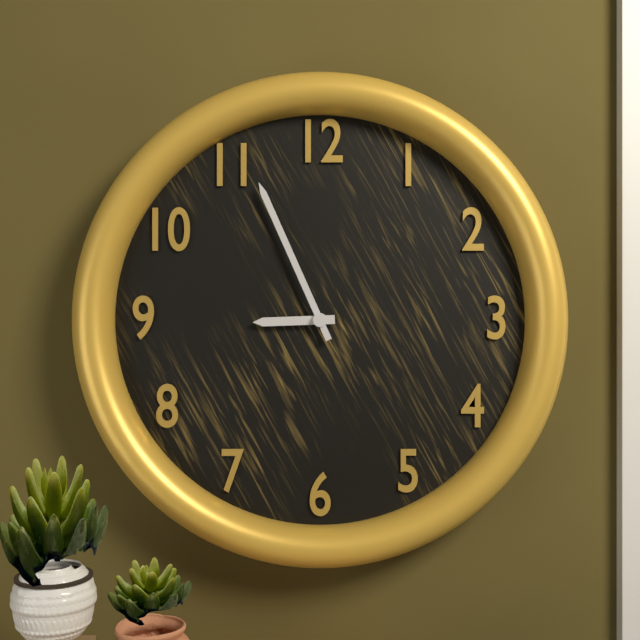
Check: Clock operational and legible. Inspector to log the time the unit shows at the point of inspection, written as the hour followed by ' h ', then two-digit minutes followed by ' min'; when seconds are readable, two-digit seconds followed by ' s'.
8 h 56 min
